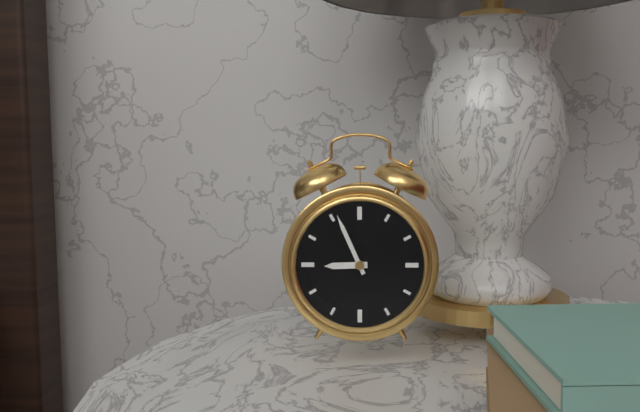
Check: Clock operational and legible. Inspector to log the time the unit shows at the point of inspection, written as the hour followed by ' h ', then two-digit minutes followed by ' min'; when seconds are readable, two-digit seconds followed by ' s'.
8 h 56 min
